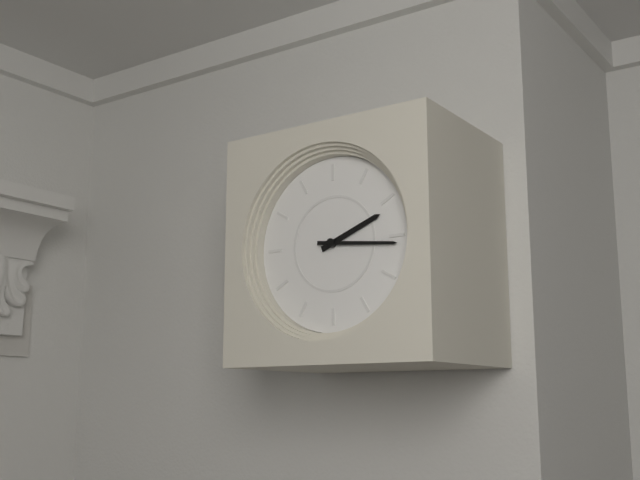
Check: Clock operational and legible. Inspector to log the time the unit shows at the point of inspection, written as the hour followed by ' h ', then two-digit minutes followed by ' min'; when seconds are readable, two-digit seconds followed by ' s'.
2 h 16 min
